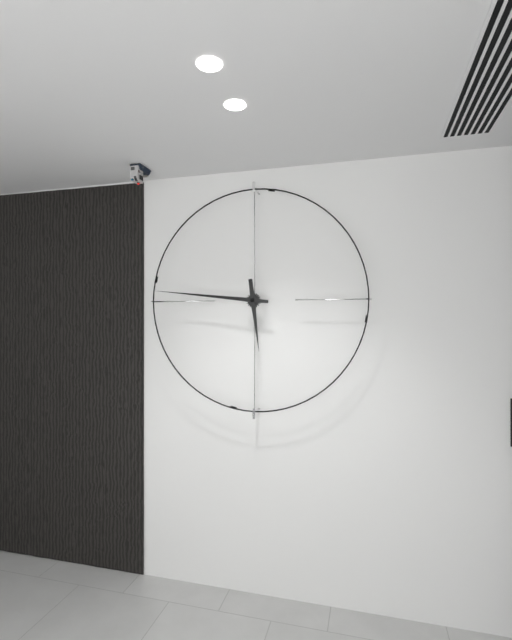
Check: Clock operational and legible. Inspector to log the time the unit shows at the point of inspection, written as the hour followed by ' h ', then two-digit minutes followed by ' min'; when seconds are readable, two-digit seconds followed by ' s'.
5 h 46 min
